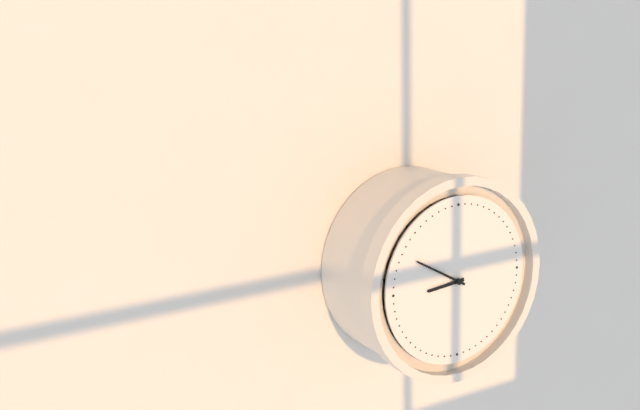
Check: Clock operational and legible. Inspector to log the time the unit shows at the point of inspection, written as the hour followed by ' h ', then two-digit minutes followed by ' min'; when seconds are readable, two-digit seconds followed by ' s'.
8 h 50 min
